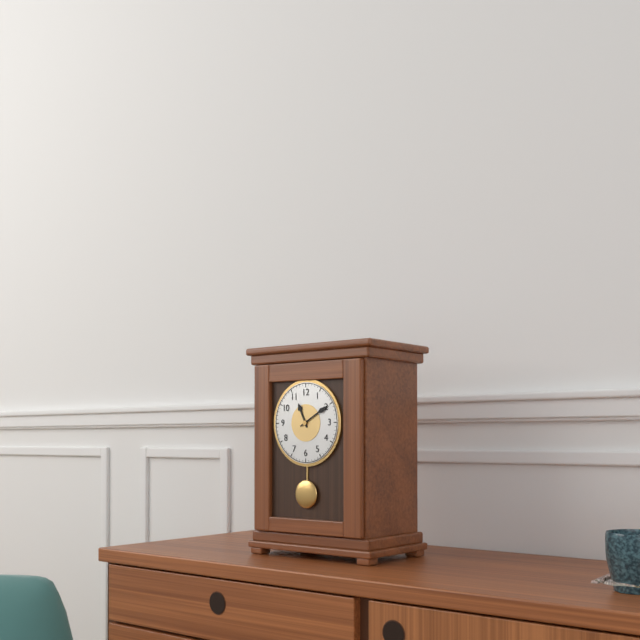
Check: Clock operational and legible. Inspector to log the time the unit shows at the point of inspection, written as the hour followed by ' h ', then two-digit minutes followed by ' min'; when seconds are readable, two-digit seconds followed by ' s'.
11 h 10 min
